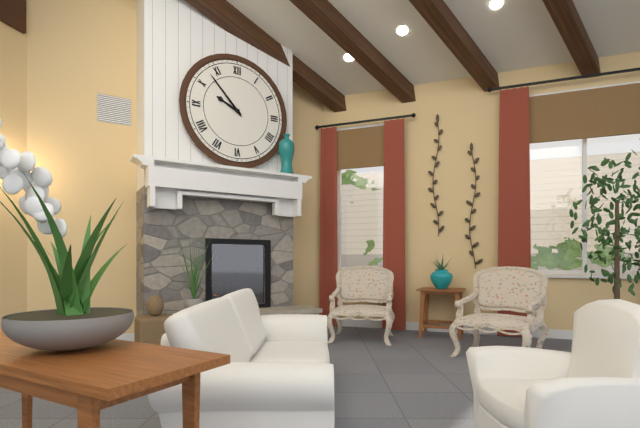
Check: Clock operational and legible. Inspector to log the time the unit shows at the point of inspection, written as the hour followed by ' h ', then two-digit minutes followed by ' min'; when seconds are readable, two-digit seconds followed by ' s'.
9 h 53 min
